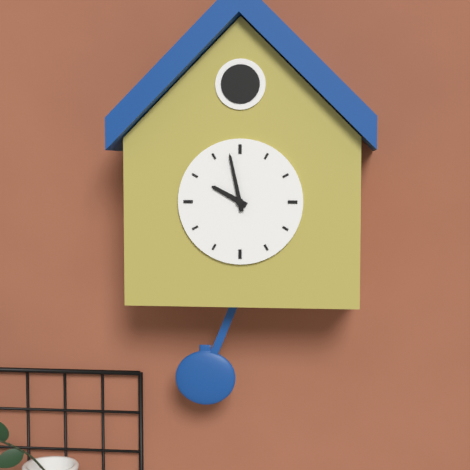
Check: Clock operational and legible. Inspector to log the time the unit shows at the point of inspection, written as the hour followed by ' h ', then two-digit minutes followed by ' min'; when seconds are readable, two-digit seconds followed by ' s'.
9 h 58 min
